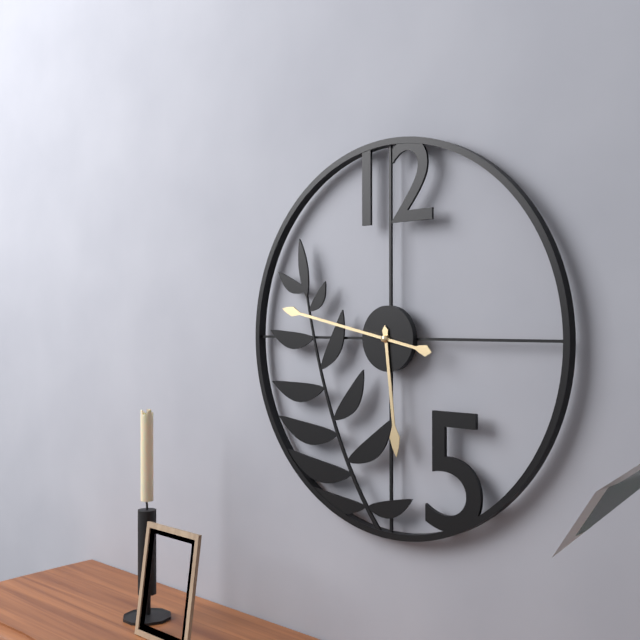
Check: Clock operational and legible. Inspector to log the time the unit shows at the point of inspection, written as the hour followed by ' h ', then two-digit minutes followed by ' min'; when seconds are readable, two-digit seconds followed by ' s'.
5 h 47 min
